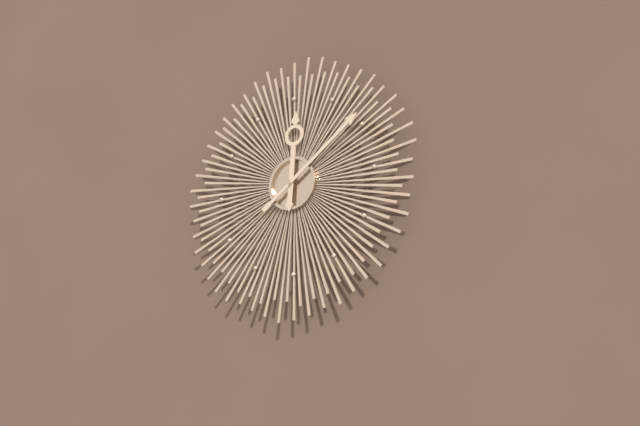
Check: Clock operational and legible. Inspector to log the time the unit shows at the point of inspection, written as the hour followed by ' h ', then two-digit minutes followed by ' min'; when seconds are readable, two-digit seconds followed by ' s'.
12 h 09 min
